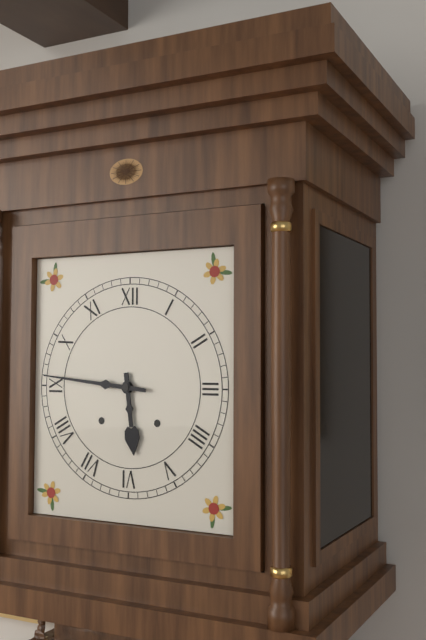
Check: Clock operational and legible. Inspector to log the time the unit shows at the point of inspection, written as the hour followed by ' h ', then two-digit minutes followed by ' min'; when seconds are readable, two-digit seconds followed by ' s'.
5 h 46 min
